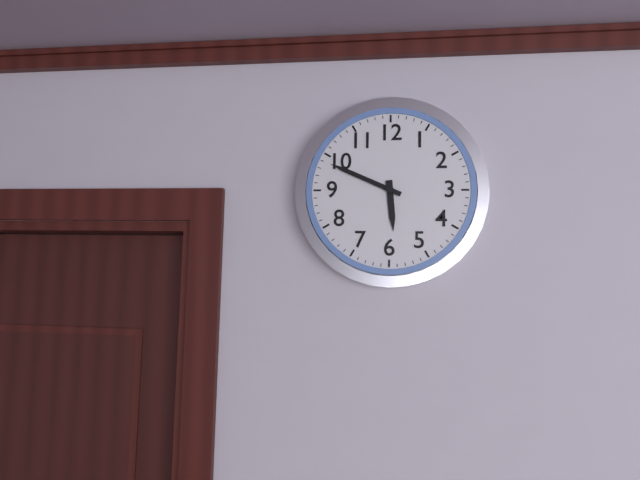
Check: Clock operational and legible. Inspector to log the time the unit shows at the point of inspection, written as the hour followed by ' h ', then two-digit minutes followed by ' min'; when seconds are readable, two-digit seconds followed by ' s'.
5 h 49 min
